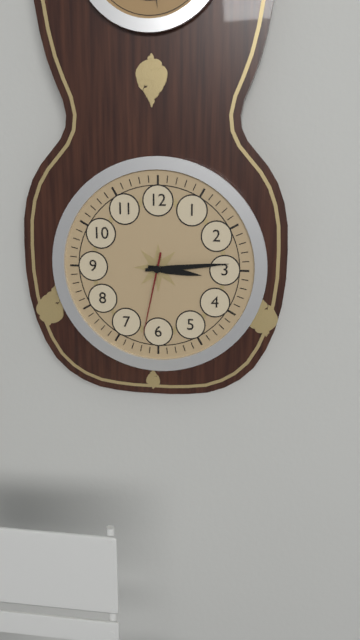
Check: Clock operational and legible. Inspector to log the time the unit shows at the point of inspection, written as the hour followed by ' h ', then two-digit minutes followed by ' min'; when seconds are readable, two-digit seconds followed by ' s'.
3 h 14 min 32 s
